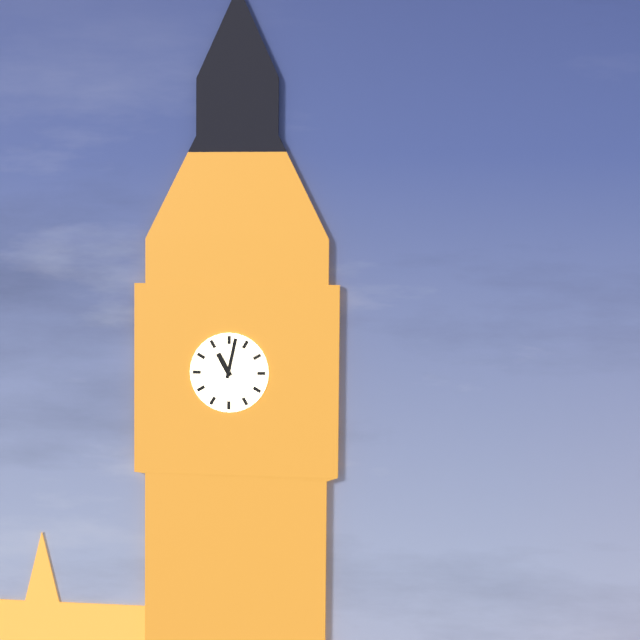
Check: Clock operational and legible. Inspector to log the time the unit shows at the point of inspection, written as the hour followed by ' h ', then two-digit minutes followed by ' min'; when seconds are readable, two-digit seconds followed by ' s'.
11 h 02 min
